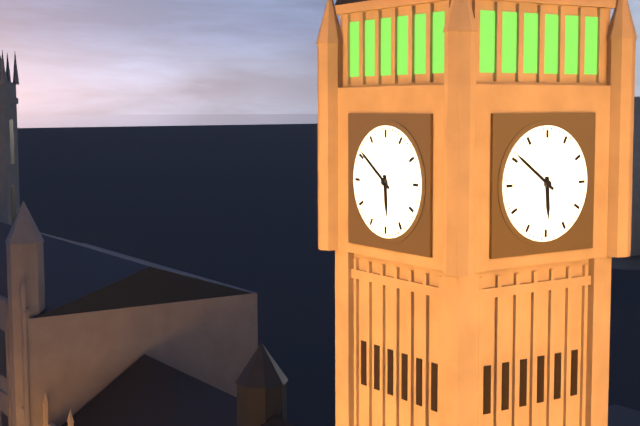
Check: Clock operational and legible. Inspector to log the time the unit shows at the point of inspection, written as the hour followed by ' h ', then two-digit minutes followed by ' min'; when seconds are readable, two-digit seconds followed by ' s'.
5 h 51 min
